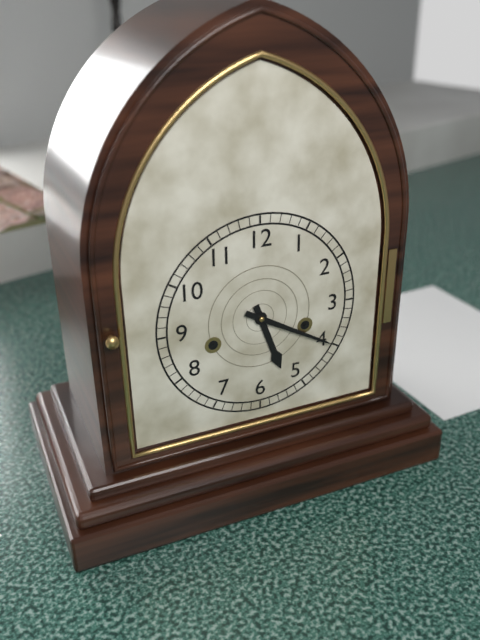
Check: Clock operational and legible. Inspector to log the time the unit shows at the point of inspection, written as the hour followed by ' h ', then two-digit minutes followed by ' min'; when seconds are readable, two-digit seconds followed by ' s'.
5 h 20 min
